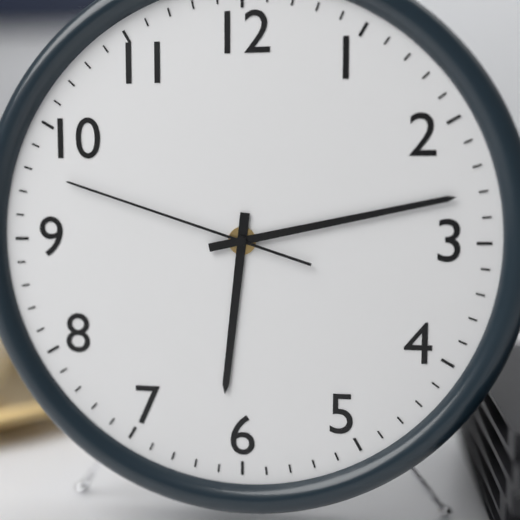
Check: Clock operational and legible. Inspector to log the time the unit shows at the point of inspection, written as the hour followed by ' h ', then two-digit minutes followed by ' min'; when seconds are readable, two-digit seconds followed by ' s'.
6 h 13 min 48 s
